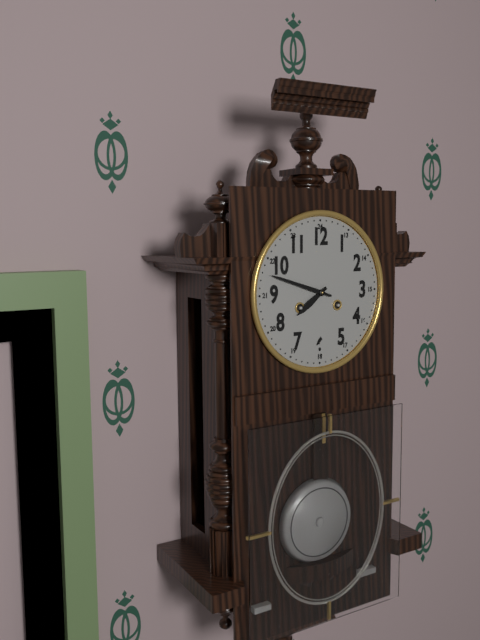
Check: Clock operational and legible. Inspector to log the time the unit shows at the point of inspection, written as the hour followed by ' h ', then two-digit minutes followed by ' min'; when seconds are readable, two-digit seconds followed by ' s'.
7 h 48 min
